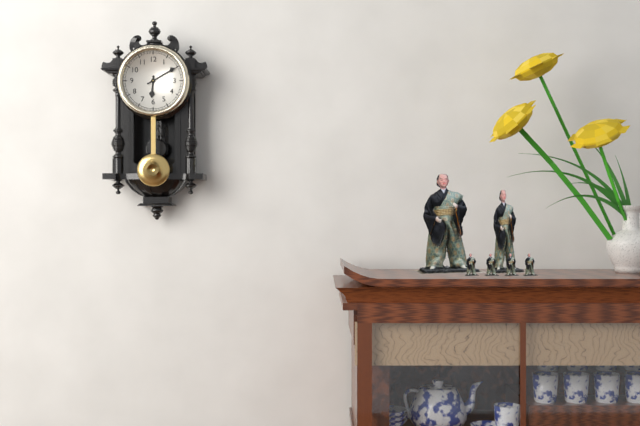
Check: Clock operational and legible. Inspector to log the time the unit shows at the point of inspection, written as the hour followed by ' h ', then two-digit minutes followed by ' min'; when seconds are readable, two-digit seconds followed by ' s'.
6 h 10 min
